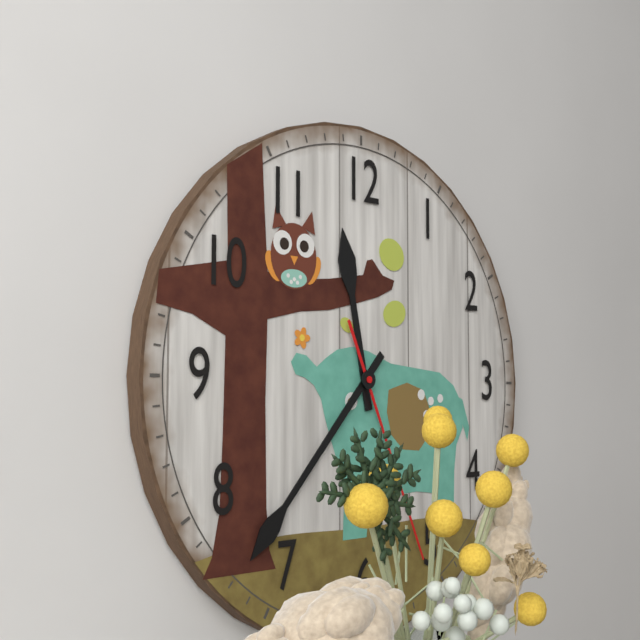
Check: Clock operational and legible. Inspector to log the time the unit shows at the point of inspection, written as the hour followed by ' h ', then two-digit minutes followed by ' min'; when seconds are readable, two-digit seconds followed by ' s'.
11 h 37 min 26 s
